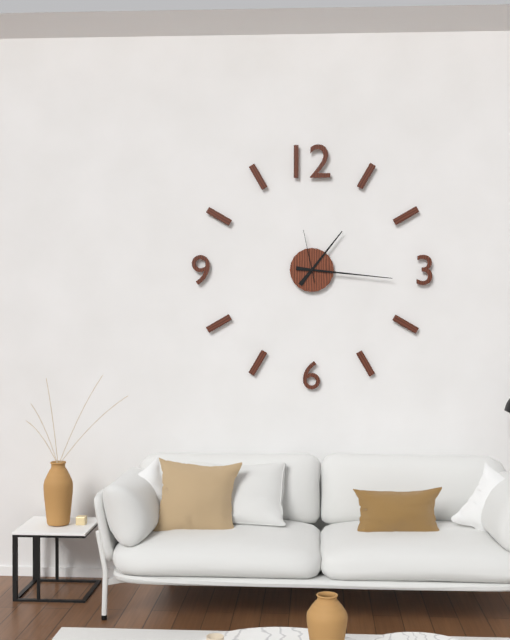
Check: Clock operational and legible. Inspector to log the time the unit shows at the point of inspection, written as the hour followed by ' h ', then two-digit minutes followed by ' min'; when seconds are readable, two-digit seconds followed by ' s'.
1 h 16 min 58 s
